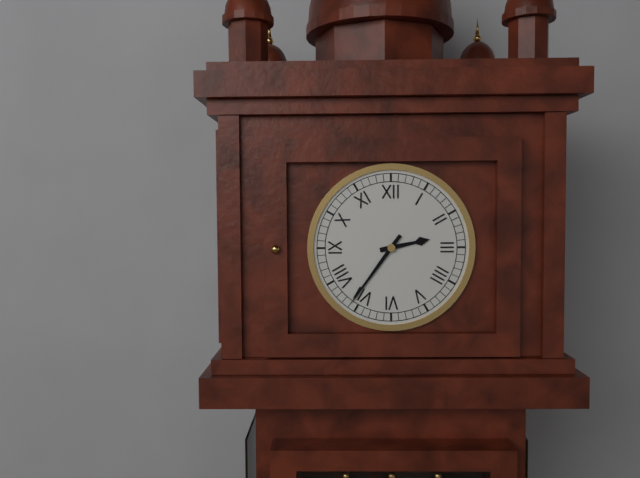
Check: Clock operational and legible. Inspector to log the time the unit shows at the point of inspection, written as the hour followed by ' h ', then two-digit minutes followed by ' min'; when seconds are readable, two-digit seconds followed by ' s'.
2 h 36 min
